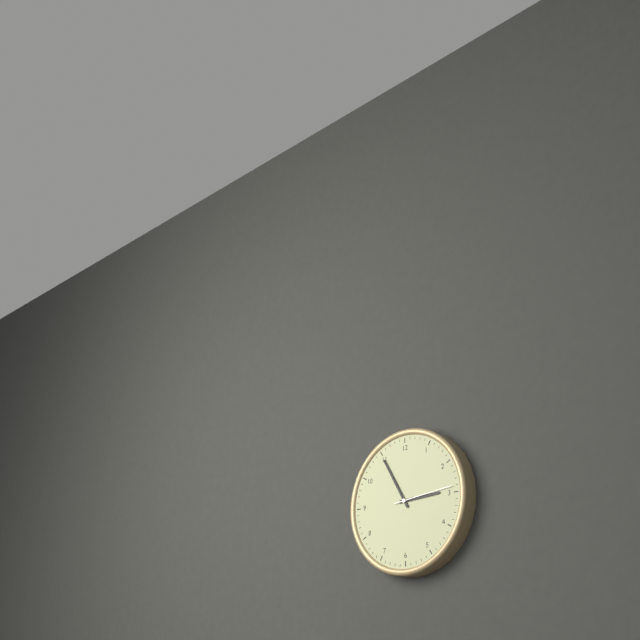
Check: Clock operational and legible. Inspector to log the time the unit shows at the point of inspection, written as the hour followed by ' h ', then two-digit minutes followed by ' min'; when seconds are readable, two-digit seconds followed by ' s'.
2 h 55 min 14 s
